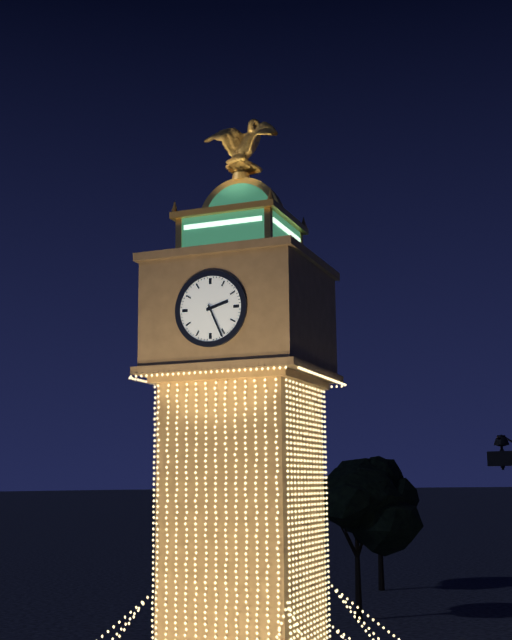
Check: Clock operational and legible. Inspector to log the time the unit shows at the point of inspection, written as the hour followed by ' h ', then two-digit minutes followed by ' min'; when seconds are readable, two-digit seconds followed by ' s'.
2 h 26 min
